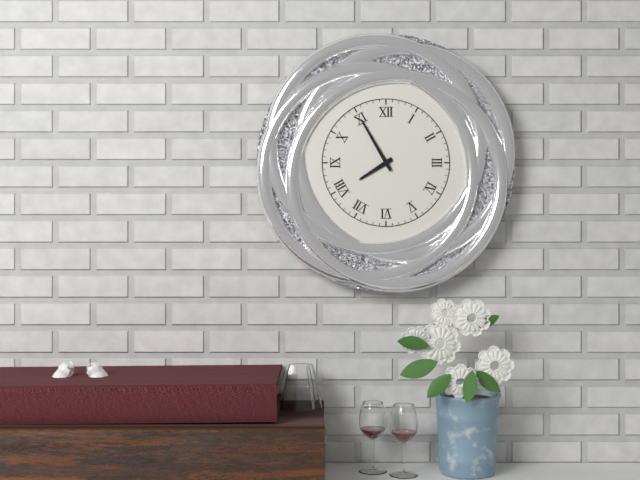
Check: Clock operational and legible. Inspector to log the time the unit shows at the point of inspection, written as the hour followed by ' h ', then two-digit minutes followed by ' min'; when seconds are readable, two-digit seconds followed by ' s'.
7 h 55 min
